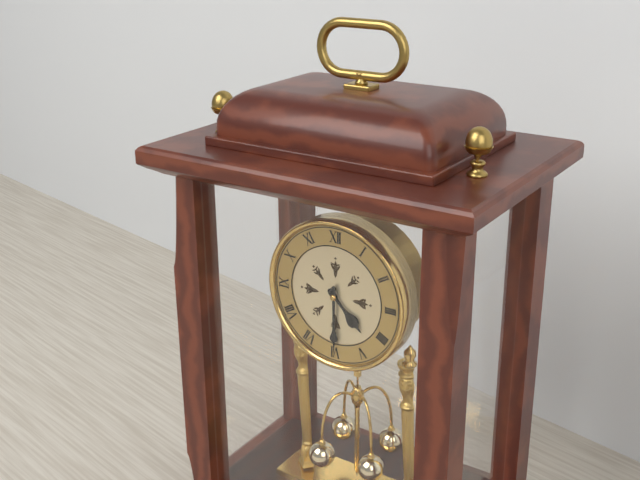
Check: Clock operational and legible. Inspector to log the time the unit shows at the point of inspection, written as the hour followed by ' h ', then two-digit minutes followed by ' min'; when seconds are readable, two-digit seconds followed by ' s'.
4 h 30 min
